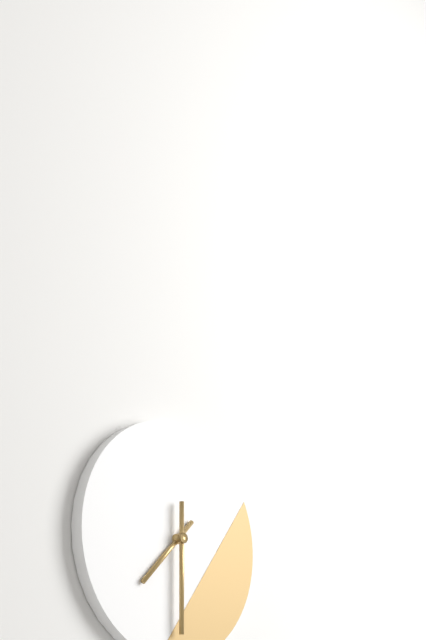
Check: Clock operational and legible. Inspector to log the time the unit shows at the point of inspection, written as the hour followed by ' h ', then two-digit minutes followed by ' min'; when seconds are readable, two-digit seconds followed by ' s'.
7 h 30 min
